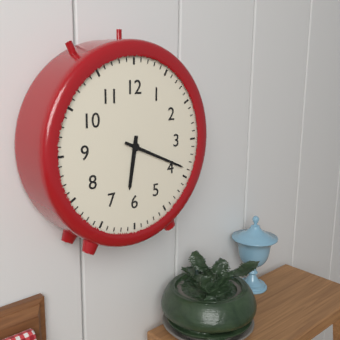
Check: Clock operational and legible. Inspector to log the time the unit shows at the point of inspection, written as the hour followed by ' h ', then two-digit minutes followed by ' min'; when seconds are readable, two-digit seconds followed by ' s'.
6 h 19 min
